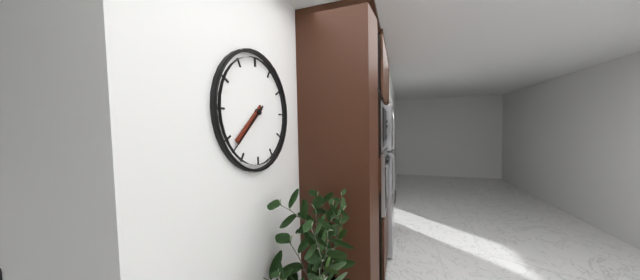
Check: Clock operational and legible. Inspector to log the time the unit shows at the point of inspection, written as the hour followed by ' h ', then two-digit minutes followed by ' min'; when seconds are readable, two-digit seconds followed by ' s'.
7 h 38 min
